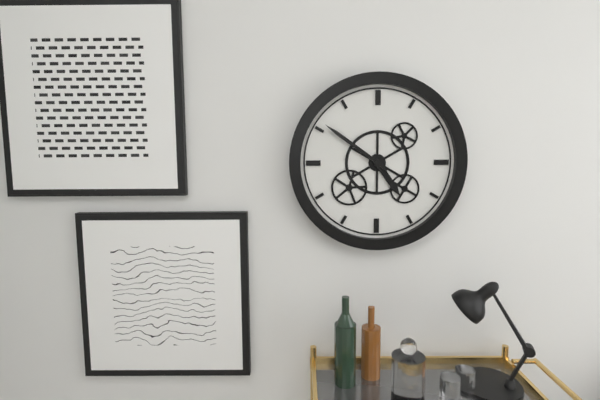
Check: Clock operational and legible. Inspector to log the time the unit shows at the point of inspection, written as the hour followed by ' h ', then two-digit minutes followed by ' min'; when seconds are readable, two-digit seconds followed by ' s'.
4 h 51 min
